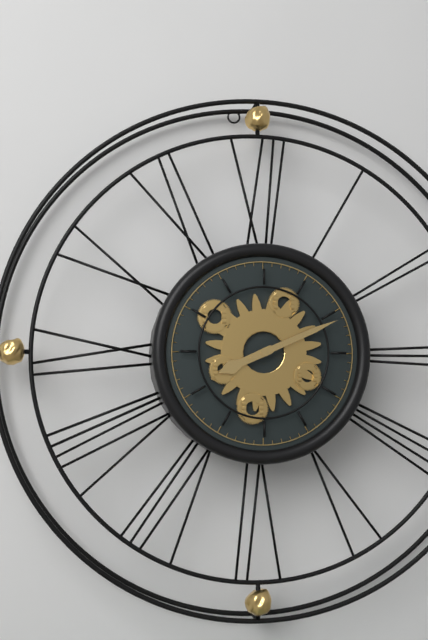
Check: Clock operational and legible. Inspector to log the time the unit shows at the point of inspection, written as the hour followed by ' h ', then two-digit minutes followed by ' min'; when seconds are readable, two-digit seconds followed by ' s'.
8 h 11 min
